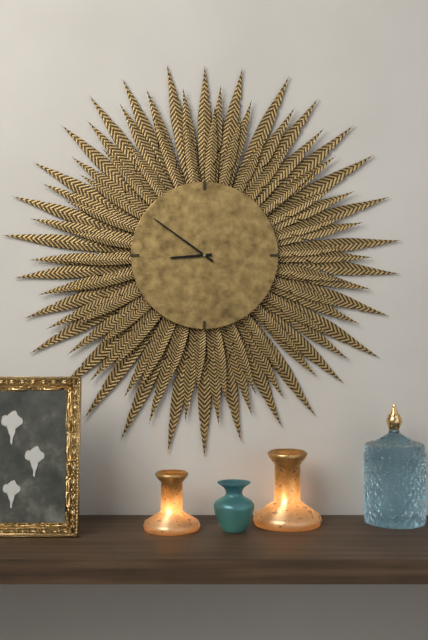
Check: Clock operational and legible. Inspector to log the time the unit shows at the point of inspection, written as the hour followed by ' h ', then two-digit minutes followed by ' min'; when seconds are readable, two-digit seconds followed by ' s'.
8 h 51 min
